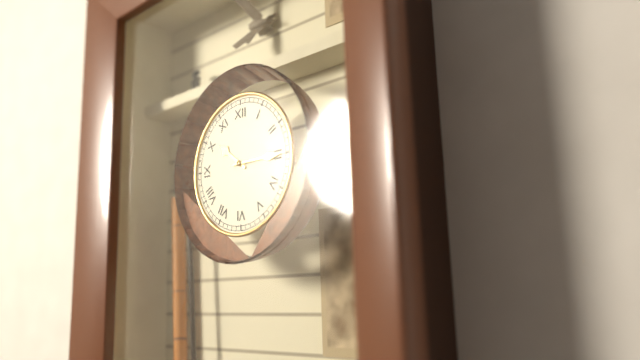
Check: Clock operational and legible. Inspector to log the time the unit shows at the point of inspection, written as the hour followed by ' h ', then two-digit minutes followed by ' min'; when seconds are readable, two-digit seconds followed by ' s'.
10 h 15 min
